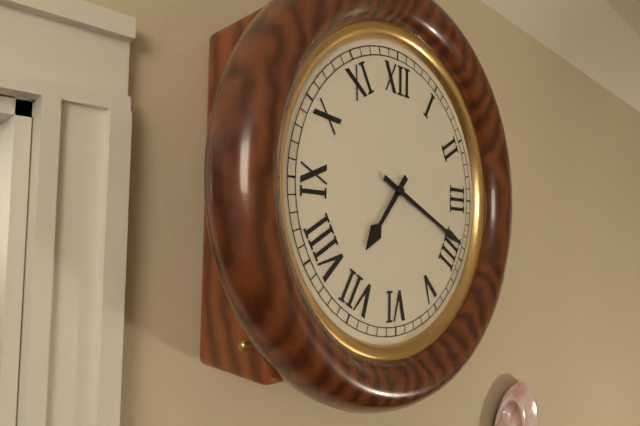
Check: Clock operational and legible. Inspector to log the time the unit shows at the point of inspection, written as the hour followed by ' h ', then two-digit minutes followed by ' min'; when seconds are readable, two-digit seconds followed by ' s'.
7 h 19 min
